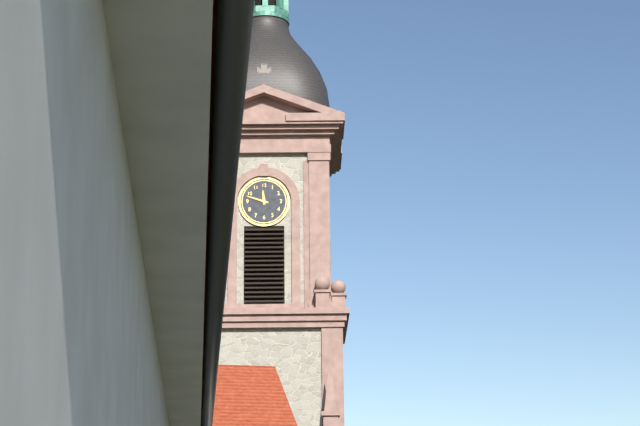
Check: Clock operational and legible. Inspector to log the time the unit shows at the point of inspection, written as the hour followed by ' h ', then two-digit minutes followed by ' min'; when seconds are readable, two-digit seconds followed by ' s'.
11 h 48 min
